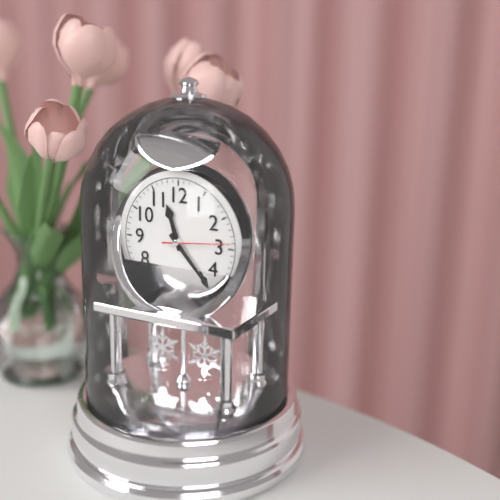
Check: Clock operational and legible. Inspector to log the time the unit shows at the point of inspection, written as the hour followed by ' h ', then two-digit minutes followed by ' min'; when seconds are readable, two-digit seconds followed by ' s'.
11 h 23 min 14 s
